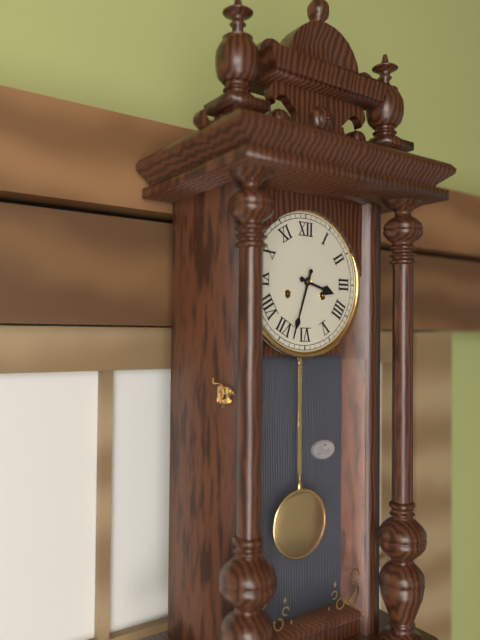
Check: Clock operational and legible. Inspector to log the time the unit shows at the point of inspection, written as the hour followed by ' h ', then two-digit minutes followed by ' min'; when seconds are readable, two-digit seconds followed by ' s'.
3 h 33 min
